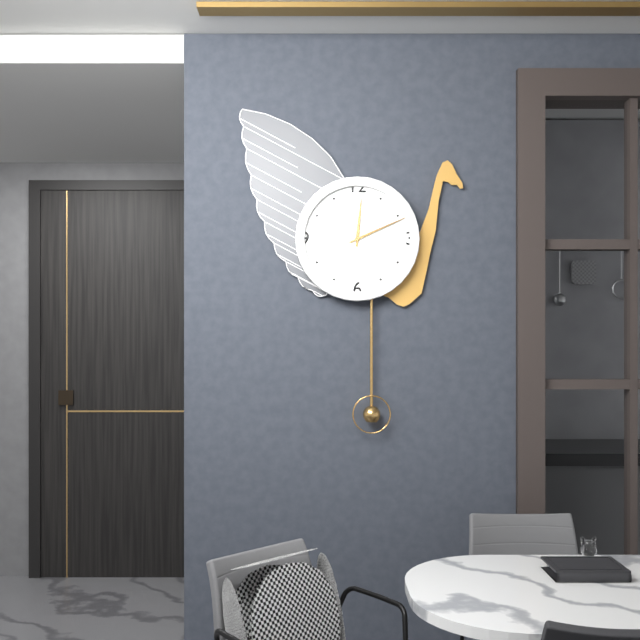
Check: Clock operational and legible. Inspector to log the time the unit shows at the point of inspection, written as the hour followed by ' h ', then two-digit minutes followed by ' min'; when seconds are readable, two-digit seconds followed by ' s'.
12 h 11 min
